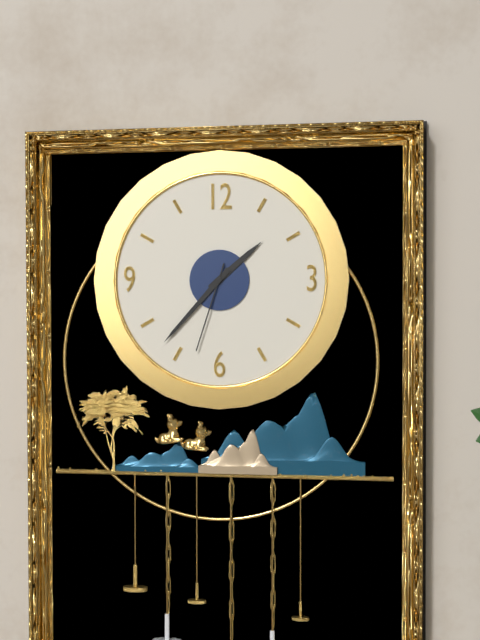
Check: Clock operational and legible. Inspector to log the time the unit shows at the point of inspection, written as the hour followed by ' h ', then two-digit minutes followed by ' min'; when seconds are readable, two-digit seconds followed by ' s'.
1 h 37 min 33 s
